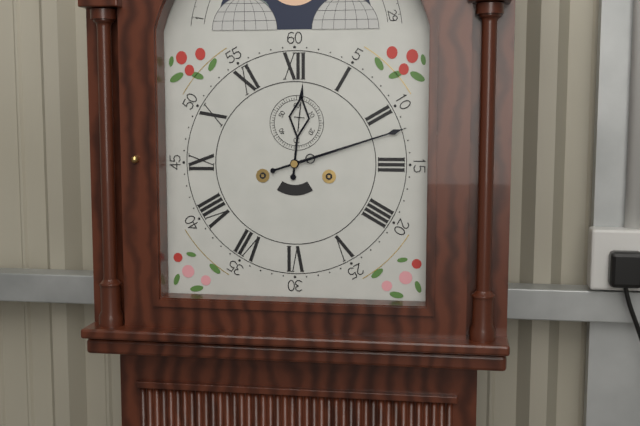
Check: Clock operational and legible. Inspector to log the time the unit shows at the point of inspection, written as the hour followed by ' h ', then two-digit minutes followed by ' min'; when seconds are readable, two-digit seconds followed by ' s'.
12 h 12 min
